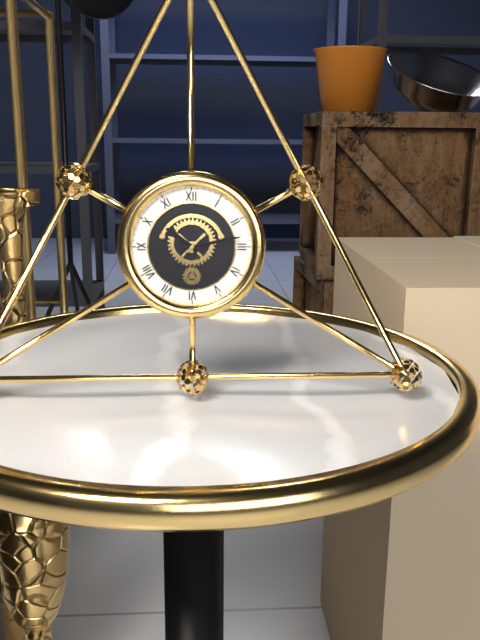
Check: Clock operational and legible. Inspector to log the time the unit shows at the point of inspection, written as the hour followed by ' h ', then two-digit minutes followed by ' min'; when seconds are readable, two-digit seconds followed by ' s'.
10 h 13 min
